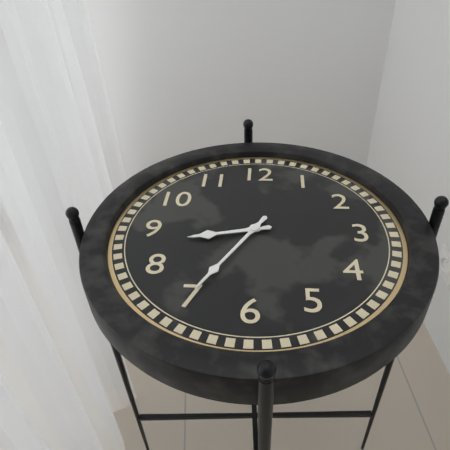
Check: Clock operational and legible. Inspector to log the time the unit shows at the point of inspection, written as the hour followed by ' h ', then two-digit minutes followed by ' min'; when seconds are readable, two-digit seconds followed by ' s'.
8 h 35 min
